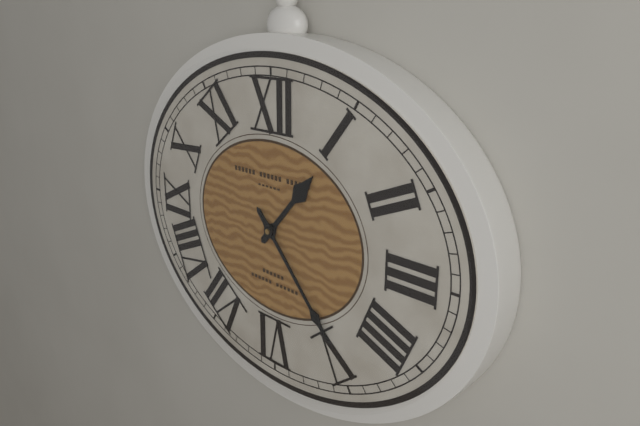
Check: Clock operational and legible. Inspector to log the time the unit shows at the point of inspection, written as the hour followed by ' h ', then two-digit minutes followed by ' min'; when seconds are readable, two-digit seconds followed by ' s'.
1 h 23 min
